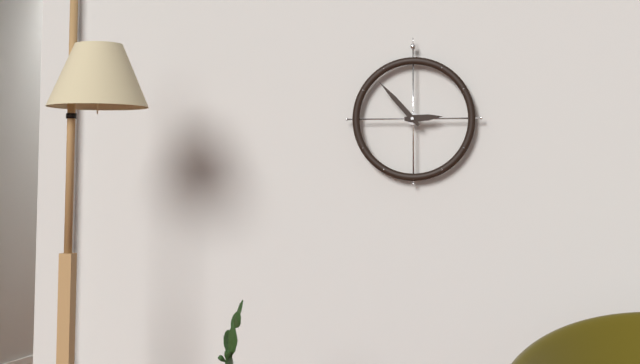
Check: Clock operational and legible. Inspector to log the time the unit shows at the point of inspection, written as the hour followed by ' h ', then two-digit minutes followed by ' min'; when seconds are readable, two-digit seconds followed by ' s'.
2 h 53 min
